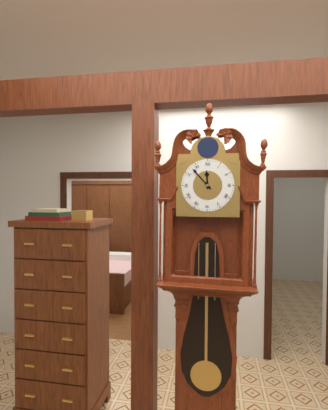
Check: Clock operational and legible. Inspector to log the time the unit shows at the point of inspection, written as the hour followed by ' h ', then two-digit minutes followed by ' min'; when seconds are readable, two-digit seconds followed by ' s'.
11 h 53 min
